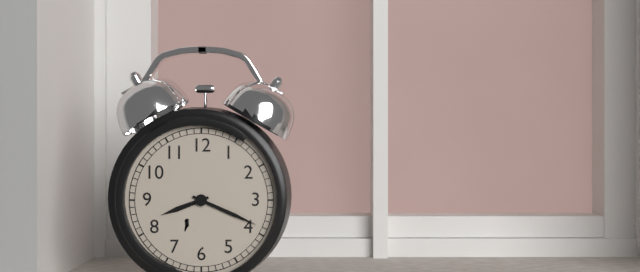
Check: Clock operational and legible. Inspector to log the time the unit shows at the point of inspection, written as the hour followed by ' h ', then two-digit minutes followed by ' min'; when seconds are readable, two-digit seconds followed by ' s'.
8 h 19 min
